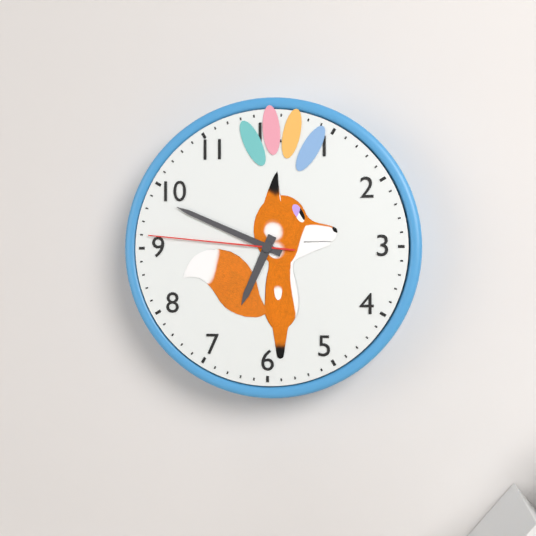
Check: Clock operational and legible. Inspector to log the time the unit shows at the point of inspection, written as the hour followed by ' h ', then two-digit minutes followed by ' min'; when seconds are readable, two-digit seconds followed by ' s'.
6 h 49 min 46 s
